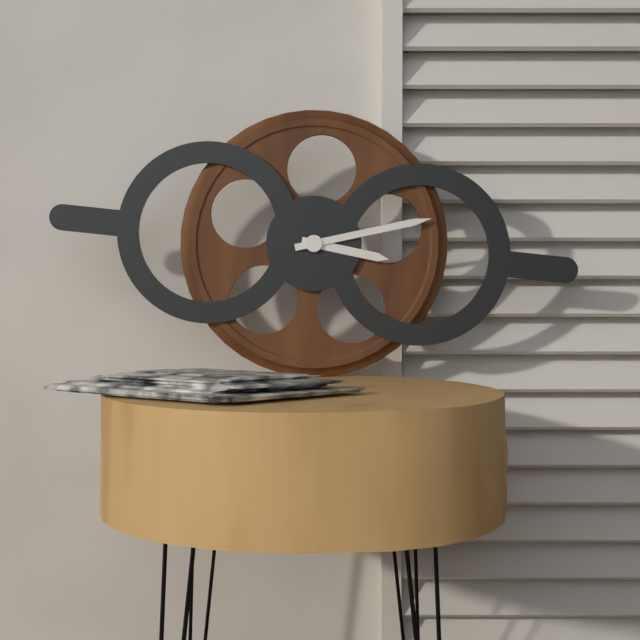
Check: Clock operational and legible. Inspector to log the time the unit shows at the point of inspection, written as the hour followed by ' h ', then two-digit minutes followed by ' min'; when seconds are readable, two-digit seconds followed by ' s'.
3 h 12 min
